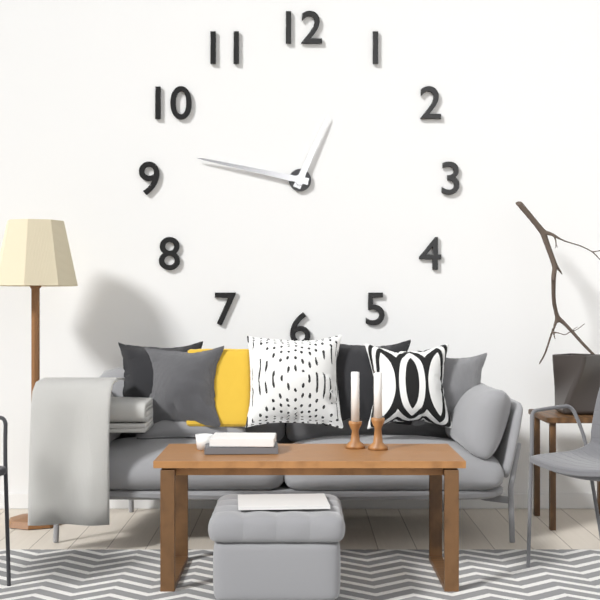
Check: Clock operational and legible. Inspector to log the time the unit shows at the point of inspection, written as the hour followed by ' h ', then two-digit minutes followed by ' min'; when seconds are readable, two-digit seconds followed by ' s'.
12 h 47 min
